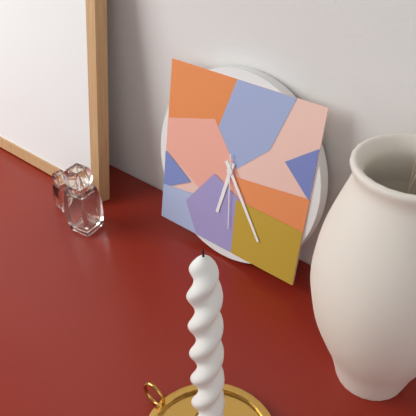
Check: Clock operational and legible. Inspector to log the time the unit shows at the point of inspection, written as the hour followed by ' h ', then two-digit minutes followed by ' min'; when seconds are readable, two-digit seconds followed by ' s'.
6 h 24 min 29 s
